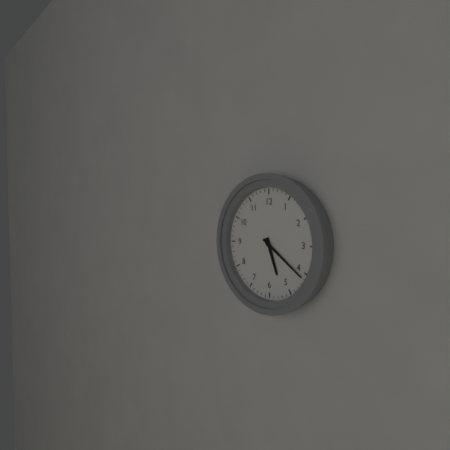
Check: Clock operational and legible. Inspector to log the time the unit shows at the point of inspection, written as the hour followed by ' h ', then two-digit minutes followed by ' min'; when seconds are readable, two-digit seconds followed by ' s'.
5 h 21 min
